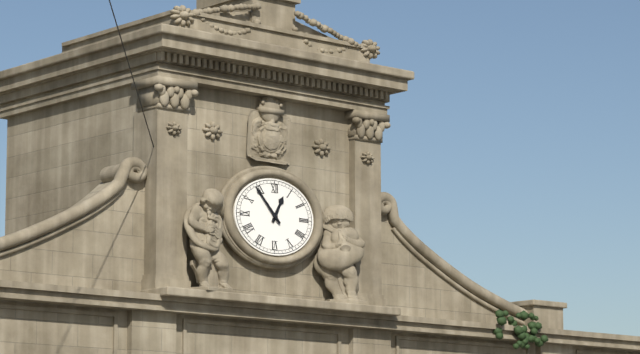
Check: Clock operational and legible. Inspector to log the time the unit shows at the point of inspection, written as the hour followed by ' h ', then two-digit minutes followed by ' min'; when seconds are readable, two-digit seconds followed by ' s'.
12 h 53 min
